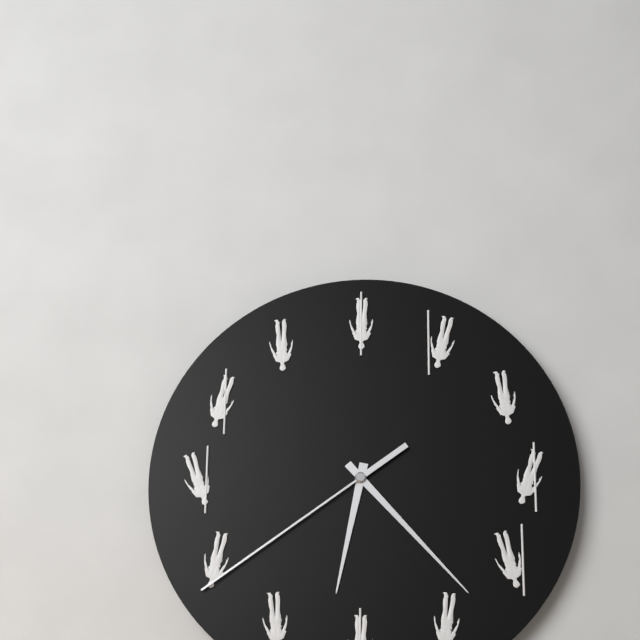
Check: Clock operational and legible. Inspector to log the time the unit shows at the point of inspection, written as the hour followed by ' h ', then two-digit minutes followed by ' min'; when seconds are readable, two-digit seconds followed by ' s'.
6 h 23 min 39 s
